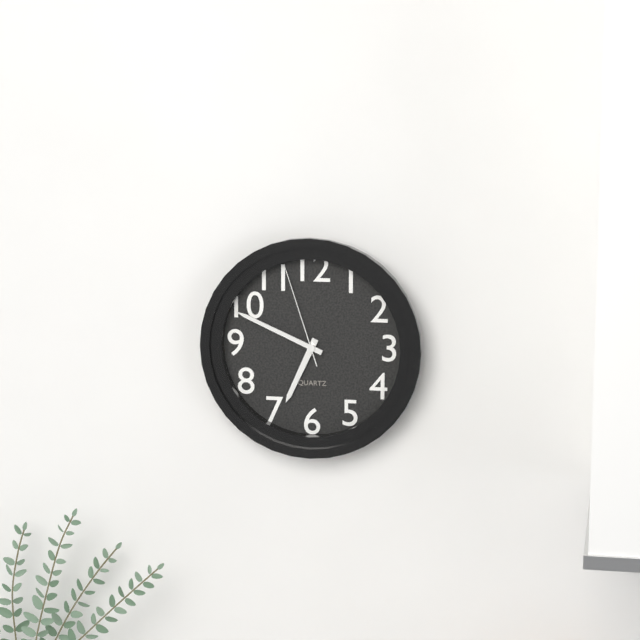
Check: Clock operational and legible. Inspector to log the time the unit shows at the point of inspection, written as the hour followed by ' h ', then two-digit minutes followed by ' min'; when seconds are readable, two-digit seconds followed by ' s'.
6 h 49 min 57 s
